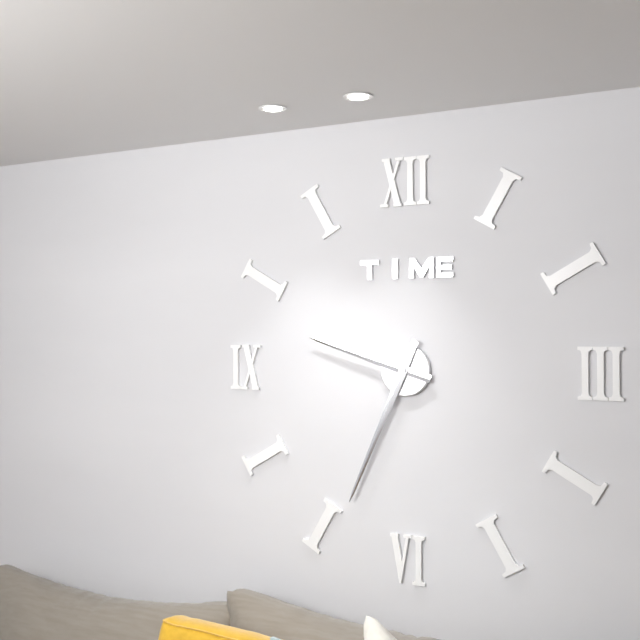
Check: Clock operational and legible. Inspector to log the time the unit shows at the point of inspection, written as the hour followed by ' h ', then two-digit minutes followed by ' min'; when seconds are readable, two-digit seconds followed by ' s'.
9 h 34 min
